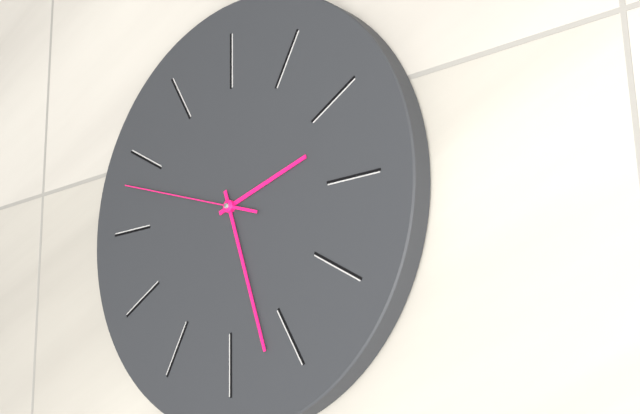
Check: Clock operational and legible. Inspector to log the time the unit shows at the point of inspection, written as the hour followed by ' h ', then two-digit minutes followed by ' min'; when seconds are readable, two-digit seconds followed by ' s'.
2 h 27 min 48 s
